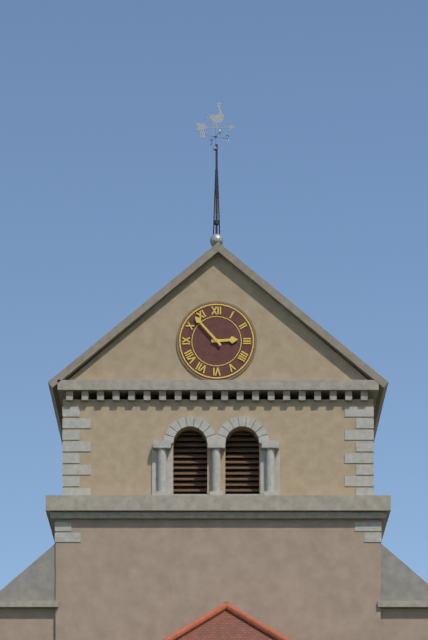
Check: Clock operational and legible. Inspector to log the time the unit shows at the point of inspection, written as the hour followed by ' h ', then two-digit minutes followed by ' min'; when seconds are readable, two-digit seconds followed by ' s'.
2 h 53 min
